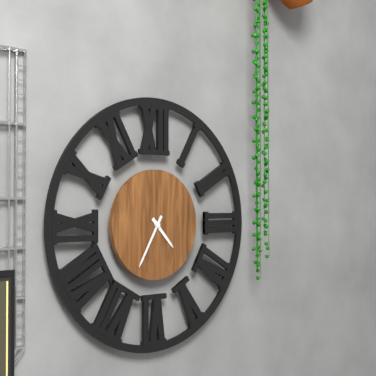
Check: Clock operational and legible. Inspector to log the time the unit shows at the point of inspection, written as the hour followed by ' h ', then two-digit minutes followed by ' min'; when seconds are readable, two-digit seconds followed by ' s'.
4 h 35 min
